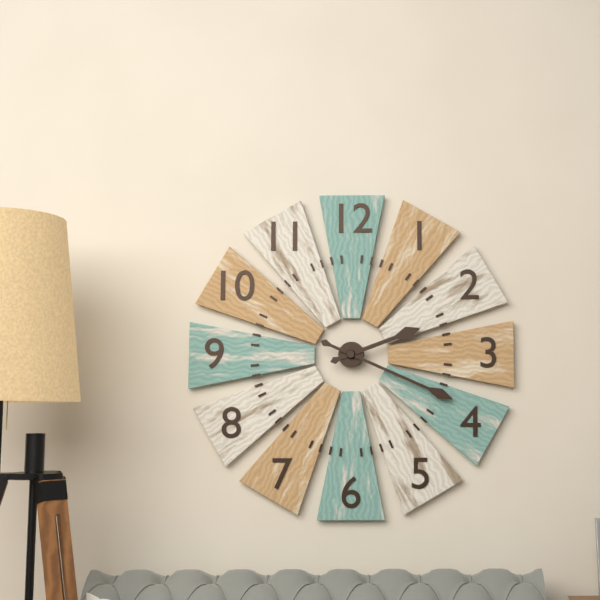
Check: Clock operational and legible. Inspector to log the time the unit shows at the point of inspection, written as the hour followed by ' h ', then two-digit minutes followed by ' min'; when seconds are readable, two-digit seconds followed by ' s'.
2 h 19 min
